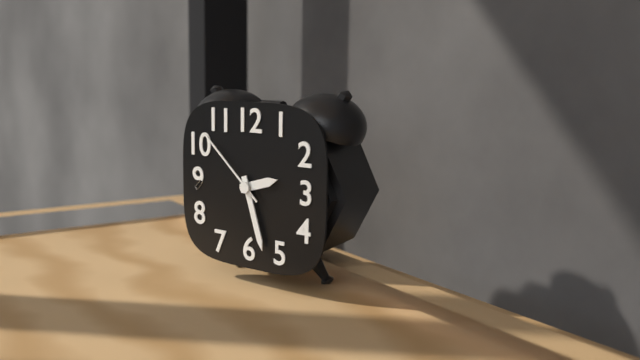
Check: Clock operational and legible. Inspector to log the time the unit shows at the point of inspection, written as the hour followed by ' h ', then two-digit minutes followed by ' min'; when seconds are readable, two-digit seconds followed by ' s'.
2 h 27 min 52 s
